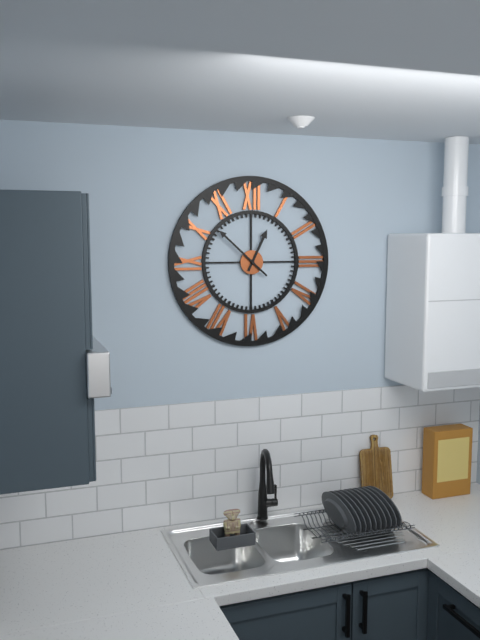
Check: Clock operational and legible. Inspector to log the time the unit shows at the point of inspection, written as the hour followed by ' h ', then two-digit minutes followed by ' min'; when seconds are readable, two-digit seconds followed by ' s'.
12 h 52 min
